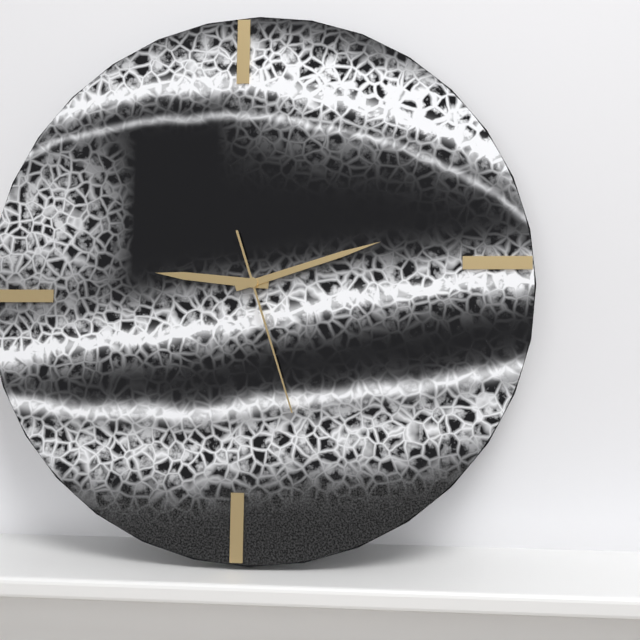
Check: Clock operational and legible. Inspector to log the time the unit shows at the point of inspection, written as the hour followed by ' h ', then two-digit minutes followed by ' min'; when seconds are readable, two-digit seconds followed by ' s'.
9 h 12 min 27 s
